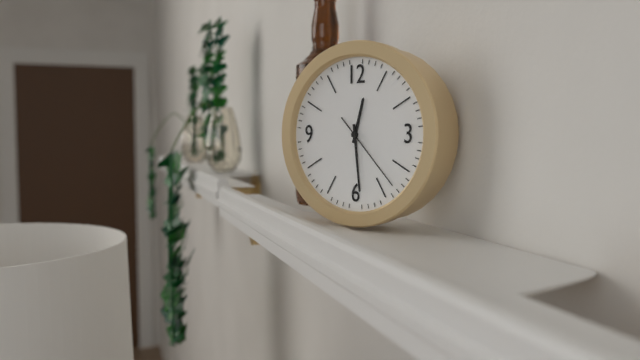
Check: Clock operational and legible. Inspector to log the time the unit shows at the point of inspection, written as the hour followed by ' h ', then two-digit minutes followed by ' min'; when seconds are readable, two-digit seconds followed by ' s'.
12 h 29 min 23 s
